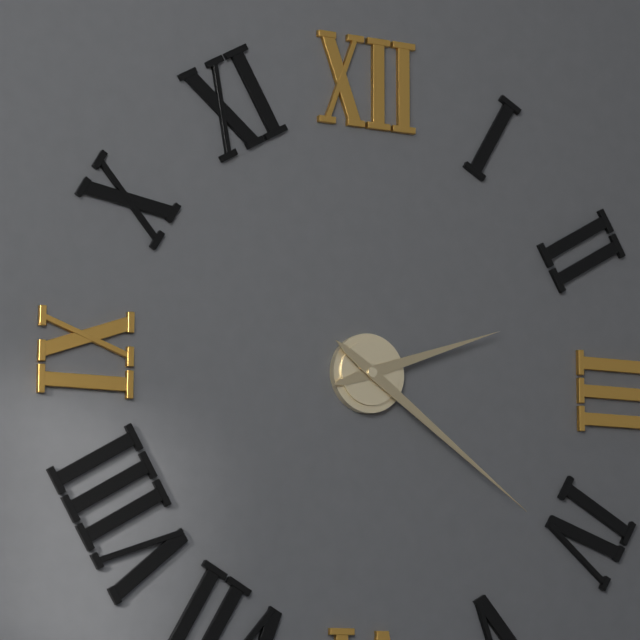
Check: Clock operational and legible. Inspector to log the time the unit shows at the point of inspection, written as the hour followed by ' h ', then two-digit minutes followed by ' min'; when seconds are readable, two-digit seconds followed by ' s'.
2 h 21 min
